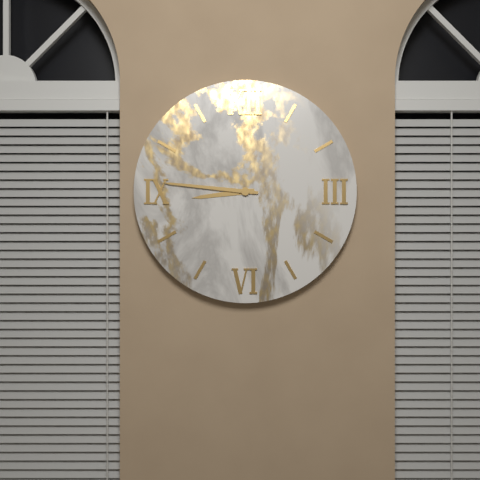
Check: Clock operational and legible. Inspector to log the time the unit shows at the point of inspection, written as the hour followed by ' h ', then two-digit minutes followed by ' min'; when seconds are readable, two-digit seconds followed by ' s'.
8 h 46 min
